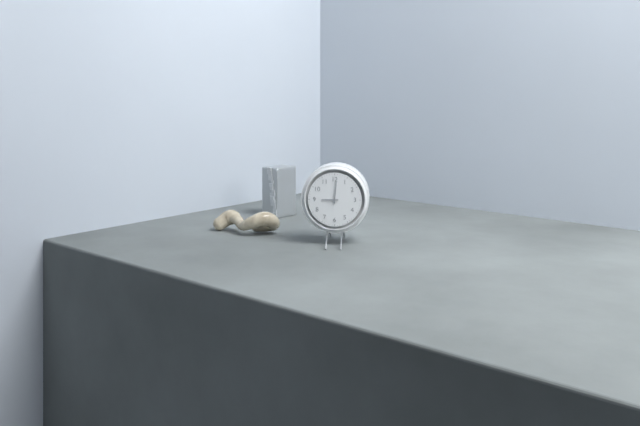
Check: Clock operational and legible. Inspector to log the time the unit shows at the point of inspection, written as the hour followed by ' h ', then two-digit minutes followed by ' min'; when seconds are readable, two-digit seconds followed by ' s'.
9 h 01 min
